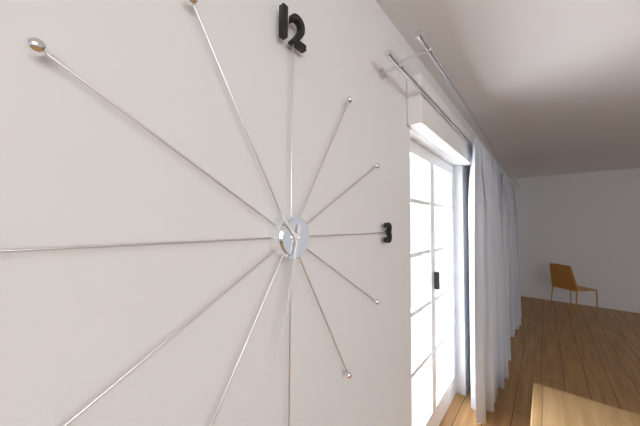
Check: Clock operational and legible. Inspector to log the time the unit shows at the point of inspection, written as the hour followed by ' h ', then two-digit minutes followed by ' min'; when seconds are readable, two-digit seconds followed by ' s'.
10 h 32 min
